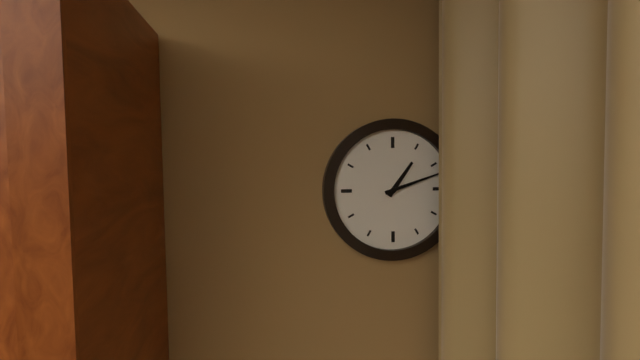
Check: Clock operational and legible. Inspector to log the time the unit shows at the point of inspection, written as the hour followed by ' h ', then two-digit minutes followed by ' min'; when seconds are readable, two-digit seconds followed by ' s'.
1 h 12 min
